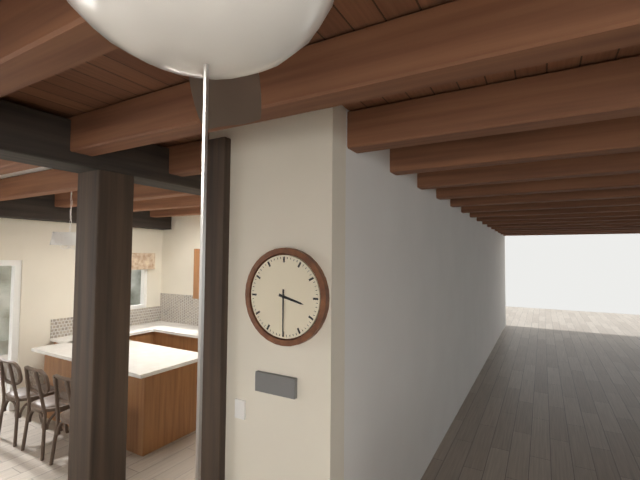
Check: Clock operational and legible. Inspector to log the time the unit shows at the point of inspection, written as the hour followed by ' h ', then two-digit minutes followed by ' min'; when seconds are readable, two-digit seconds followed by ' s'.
3 h 30 min
